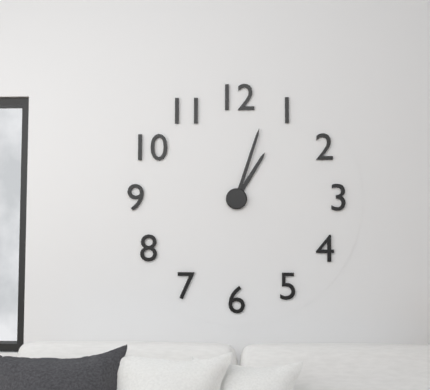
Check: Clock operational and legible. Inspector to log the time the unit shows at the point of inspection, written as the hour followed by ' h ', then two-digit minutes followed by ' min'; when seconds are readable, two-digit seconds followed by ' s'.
1 h 03 min
